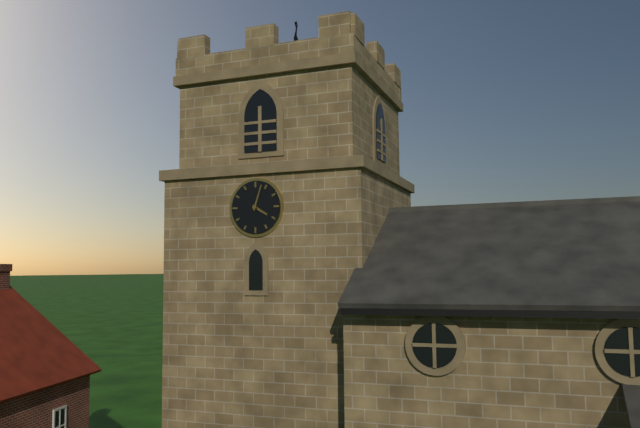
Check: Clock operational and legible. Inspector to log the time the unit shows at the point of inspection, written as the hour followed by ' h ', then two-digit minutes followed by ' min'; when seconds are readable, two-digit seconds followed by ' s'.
4 h 03 min
